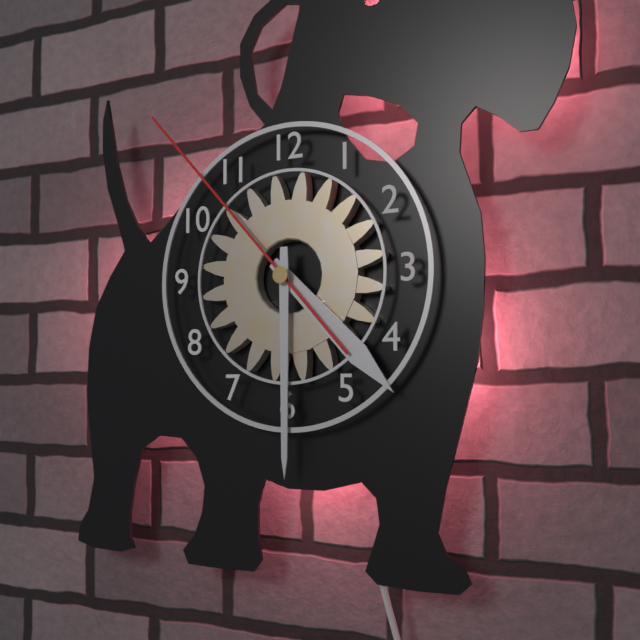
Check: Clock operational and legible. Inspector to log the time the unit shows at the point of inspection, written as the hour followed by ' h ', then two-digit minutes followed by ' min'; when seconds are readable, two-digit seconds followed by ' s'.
4 h 30 min 53 s
